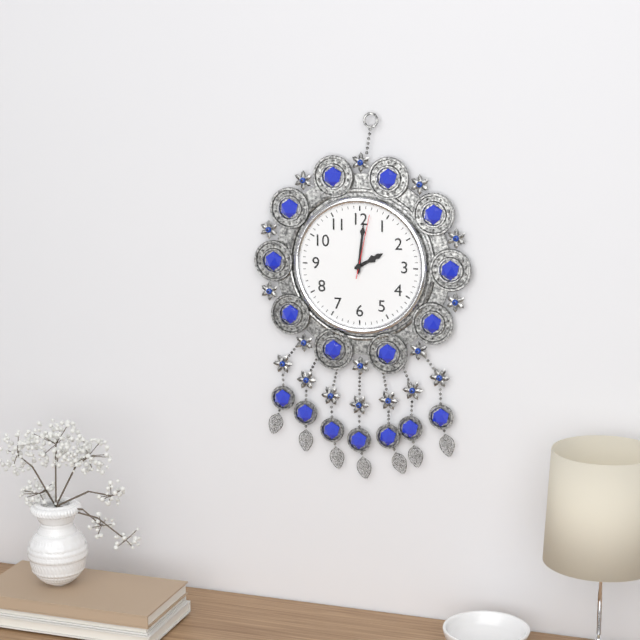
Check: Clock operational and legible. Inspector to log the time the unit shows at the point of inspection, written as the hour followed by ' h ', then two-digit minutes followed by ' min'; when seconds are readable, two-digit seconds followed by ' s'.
2 h 01 min 02 s
